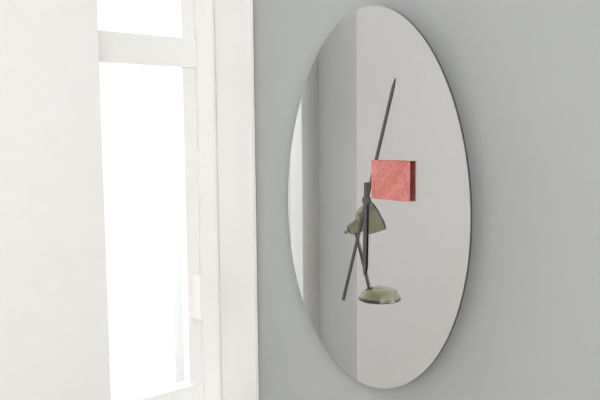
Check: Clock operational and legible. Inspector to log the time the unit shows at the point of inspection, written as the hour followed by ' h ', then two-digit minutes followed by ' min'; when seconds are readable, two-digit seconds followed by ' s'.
6 h 03 min
